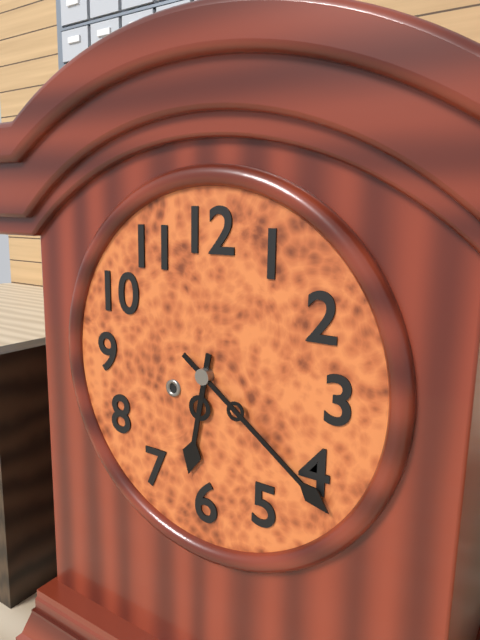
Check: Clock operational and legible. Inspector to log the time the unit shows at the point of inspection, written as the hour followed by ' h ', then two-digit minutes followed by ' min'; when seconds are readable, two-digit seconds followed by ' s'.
6 h 21 min
